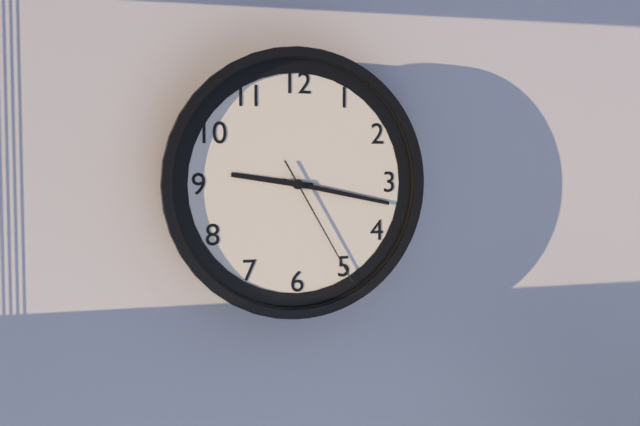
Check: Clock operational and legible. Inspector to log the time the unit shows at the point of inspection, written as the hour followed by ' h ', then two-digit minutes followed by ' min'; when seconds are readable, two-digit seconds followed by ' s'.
9 h 17 min 25 s
